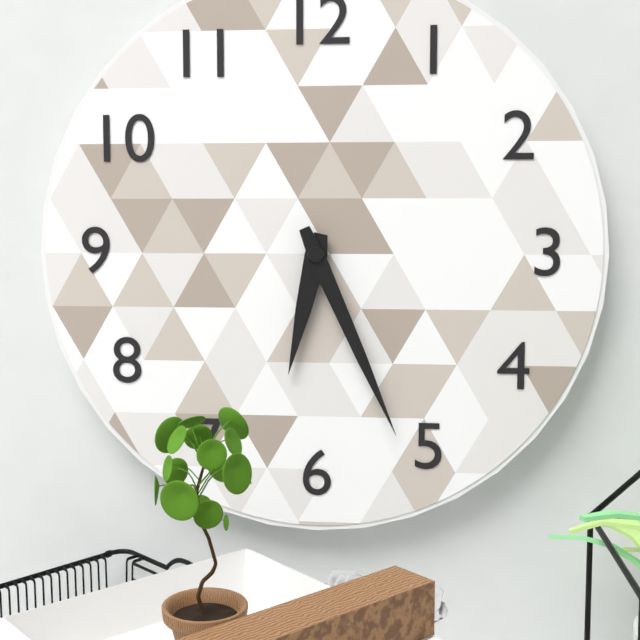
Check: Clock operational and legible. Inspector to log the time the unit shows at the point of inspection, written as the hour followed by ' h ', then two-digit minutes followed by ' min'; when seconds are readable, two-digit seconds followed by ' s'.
6 h 26 min
